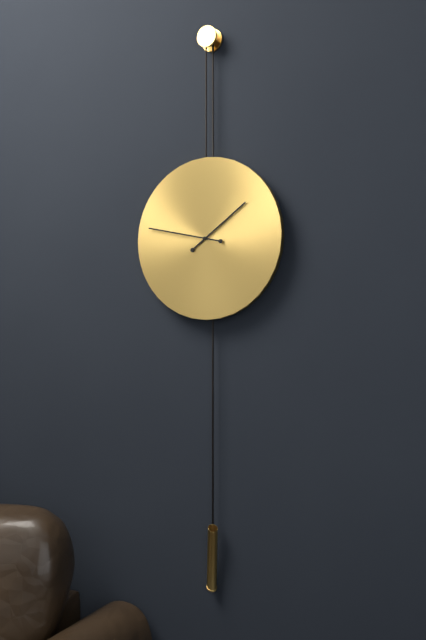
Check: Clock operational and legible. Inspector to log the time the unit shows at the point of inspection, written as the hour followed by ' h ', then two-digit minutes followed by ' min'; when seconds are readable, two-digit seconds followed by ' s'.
1 h 47 min
